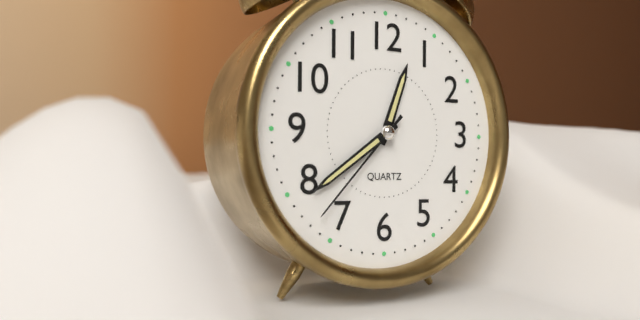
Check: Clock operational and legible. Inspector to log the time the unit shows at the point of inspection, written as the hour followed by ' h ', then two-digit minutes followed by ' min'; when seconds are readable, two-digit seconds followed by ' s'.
12 h 39 min 37 s
